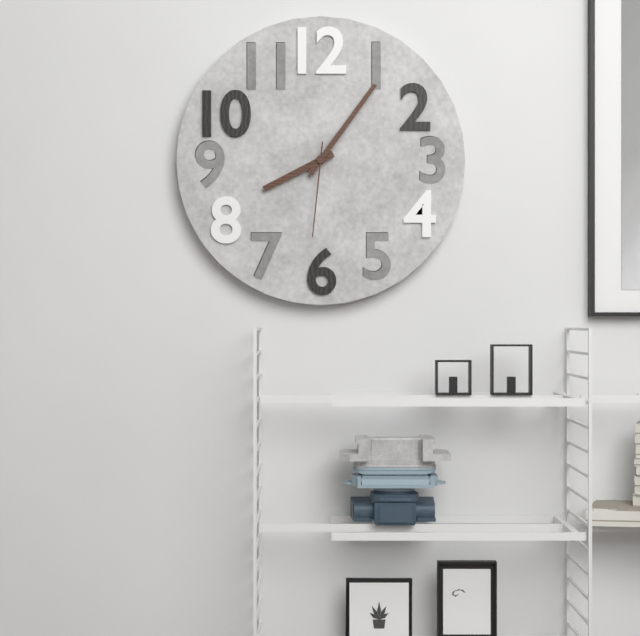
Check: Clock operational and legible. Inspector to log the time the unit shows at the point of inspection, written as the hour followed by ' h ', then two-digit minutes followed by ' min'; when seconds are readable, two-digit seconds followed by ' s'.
8 h 06 min 31 s
